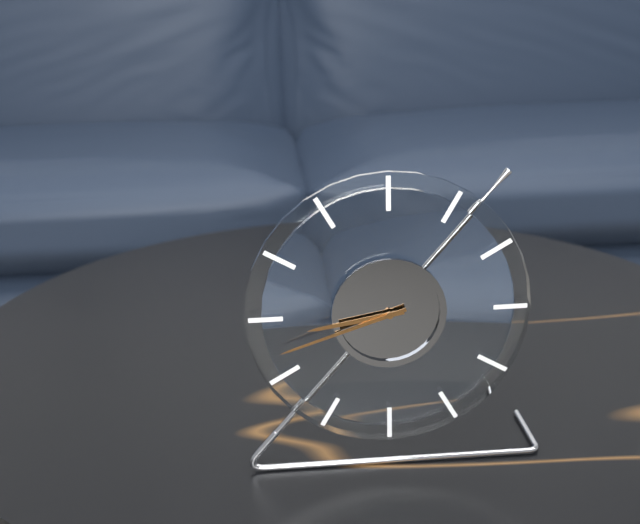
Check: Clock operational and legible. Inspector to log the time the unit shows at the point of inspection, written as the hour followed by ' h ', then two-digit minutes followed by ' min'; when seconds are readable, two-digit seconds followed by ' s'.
8 h 42 min
